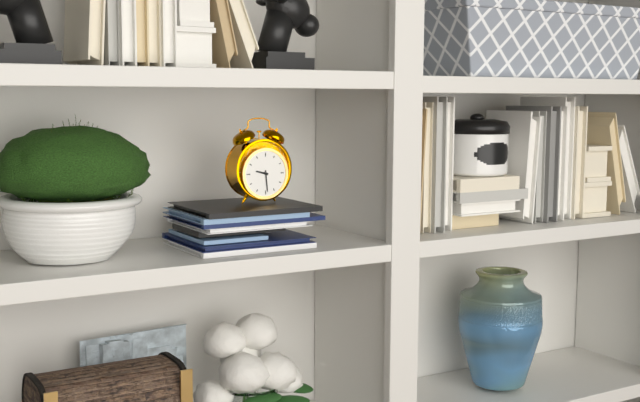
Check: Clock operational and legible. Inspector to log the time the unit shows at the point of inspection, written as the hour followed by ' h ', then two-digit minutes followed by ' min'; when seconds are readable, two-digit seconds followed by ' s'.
9 h 29 min
